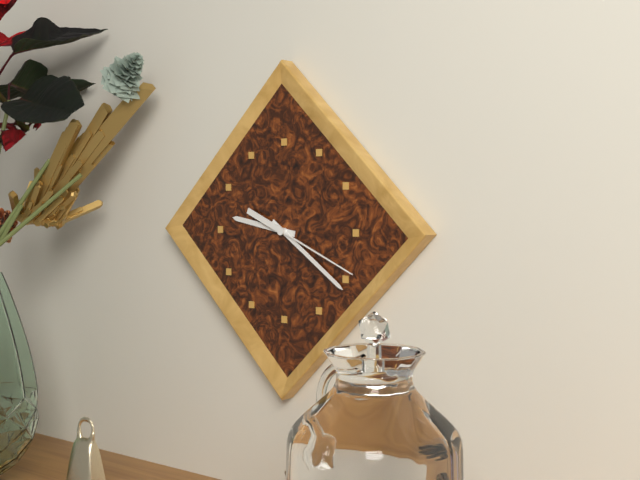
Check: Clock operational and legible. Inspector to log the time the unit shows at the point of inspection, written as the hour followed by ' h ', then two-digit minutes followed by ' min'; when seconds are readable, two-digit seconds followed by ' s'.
9 h 21 min 19 s
